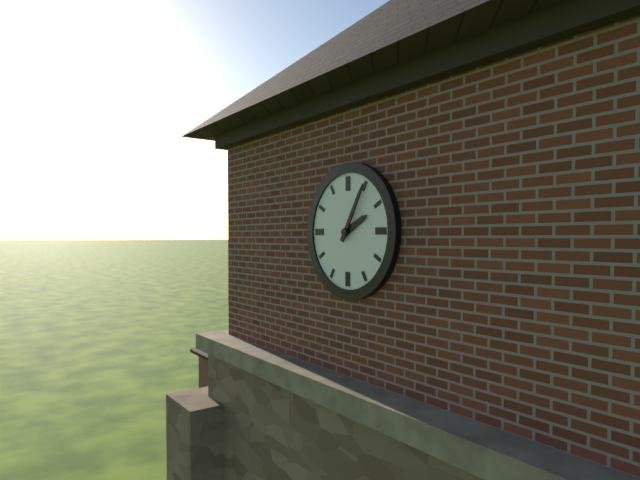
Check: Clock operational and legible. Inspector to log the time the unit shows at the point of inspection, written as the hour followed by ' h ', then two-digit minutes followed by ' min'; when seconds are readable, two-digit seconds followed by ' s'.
2 h 05 min
